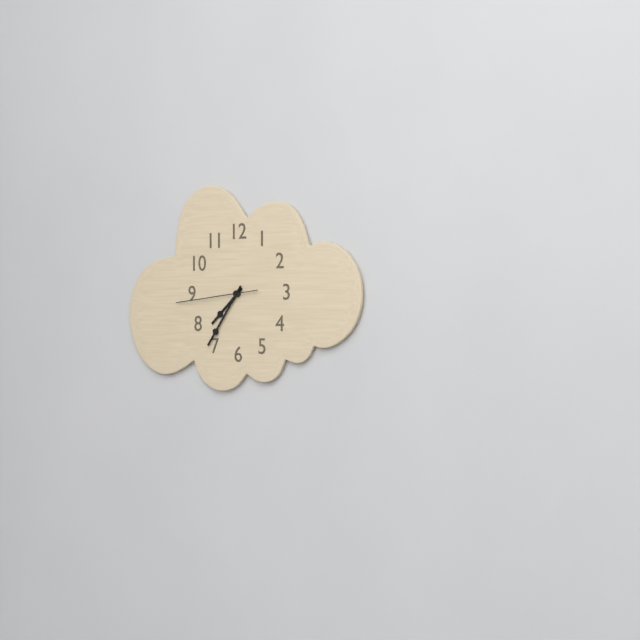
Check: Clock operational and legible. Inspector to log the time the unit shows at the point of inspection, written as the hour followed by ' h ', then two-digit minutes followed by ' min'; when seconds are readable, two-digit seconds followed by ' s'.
7 h 36 min 44 s
